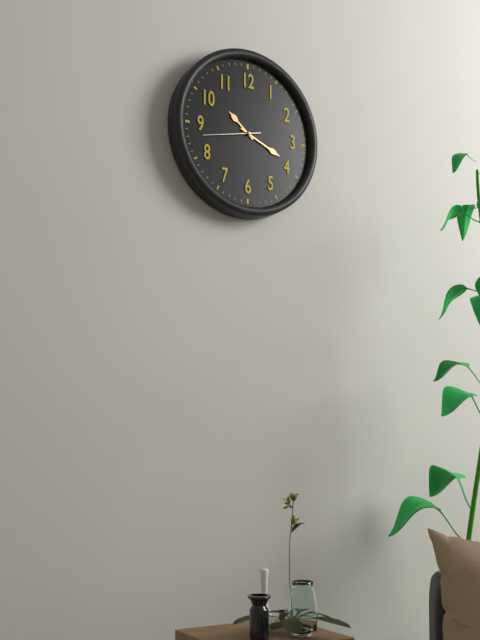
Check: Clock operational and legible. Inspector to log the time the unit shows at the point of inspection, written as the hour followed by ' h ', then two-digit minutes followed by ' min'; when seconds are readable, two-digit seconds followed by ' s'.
10 h 19 min 43 s
